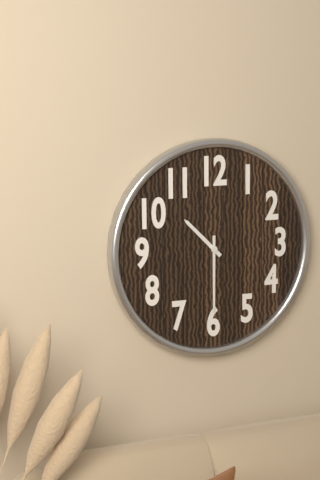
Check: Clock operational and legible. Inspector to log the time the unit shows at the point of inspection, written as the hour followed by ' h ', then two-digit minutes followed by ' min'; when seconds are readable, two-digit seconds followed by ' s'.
10 h 30 min
